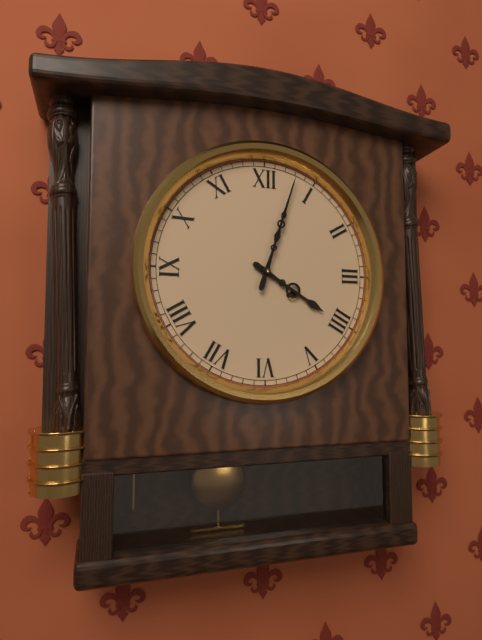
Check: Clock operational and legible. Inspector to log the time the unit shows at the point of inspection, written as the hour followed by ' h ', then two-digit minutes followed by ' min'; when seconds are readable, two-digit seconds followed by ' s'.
4 h 03 min
